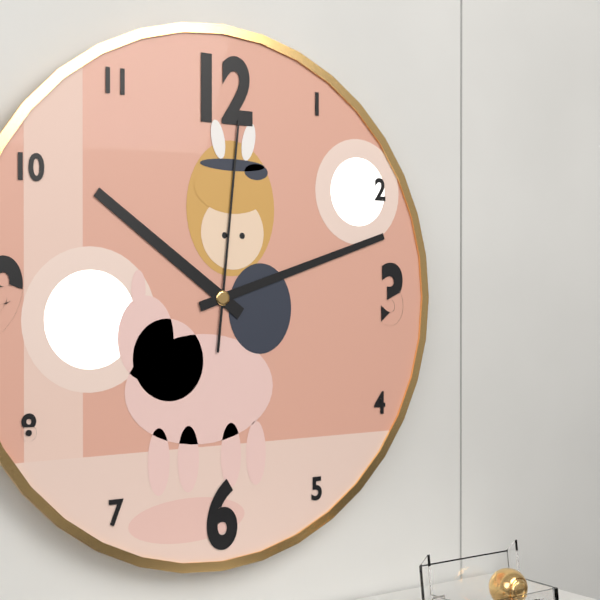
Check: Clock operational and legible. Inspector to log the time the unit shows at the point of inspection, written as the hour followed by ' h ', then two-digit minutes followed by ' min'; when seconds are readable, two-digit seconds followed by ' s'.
10 h 12 min 01 s
